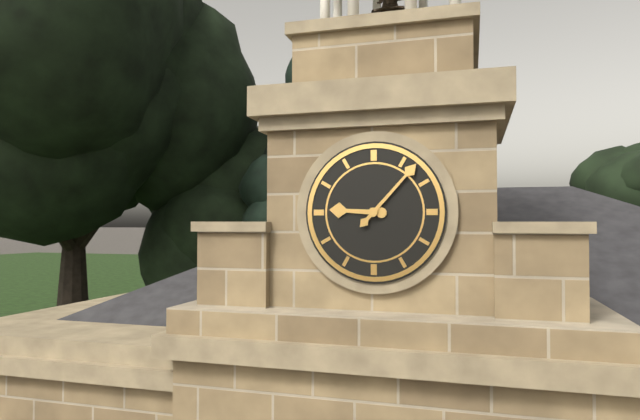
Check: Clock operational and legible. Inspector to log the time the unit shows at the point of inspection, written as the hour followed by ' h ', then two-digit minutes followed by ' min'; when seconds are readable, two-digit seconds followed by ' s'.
9 h 07 min
